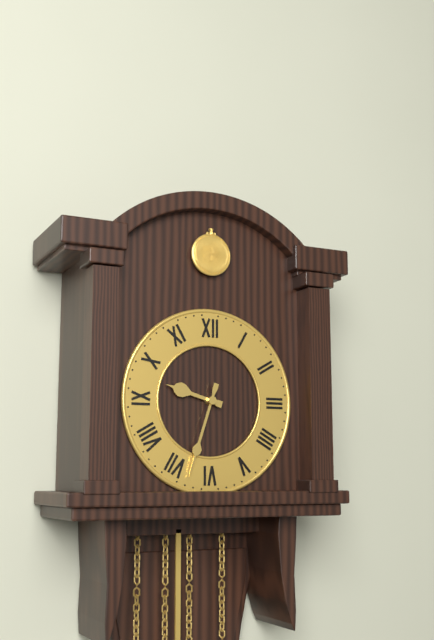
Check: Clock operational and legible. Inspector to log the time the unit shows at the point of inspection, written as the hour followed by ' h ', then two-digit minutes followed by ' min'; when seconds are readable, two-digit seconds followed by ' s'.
9 h 33 min
